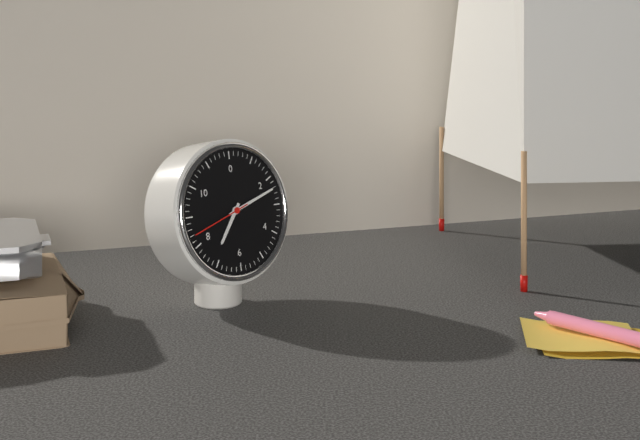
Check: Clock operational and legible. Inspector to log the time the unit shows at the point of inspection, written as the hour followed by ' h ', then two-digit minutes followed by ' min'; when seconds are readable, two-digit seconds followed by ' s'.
7 h 12 min
